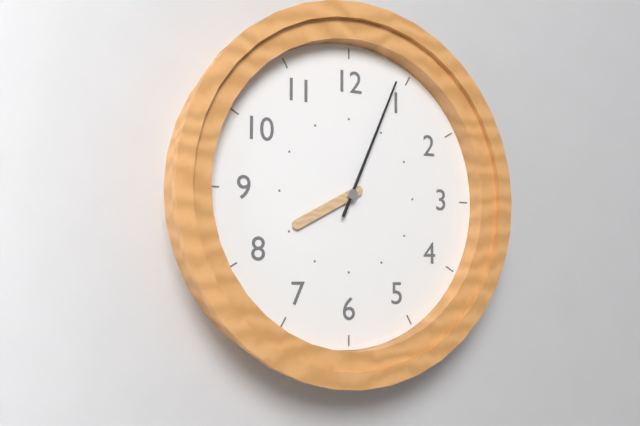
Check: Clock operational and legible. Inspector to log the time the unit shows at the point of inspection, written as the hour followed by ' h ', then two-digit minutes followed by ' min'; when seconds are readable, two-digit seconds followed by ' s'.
8 h 04 min
